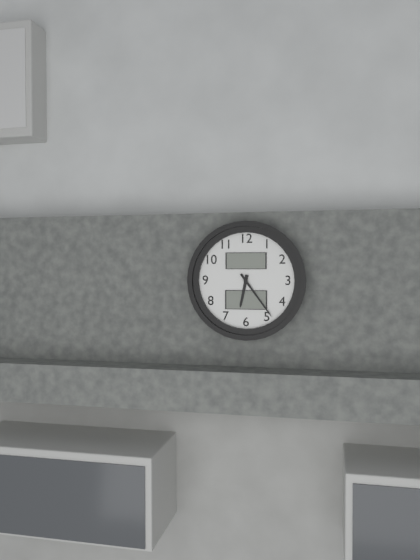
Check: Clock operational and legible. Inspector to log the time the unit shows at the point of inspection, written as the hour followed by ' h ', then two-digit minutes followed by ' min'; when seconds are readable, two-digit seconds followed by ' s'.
6 h 24 min
